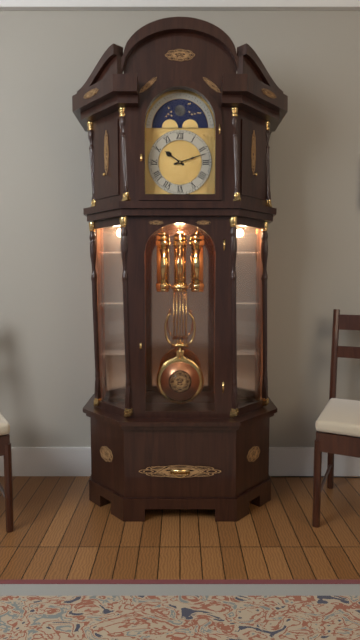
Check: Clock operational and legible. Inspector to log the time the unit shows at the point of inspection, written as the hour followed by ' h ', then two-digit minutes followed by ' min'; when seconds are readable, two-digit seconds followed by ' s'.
10 h 12 min
